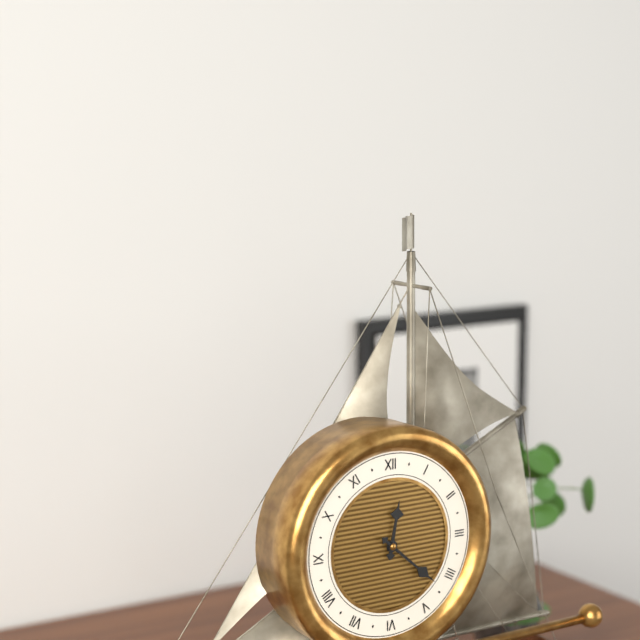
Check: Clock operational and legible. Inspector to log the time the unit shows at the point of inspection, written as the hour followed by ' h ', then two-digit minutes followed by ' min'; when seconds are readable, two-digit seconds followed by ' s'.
12 h 22 min
